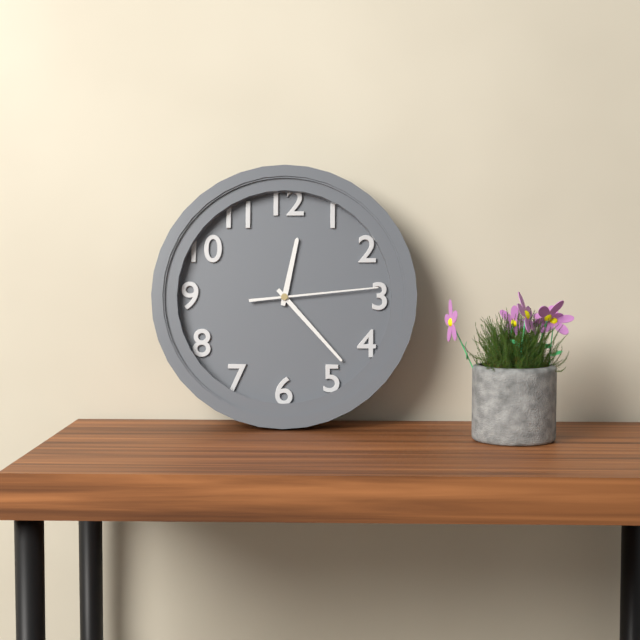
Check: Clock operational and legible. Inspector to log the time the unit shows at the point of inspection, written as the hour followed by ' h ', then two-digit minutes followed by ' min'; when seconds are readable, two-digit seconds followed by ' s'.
12 h 23 min 14 s
